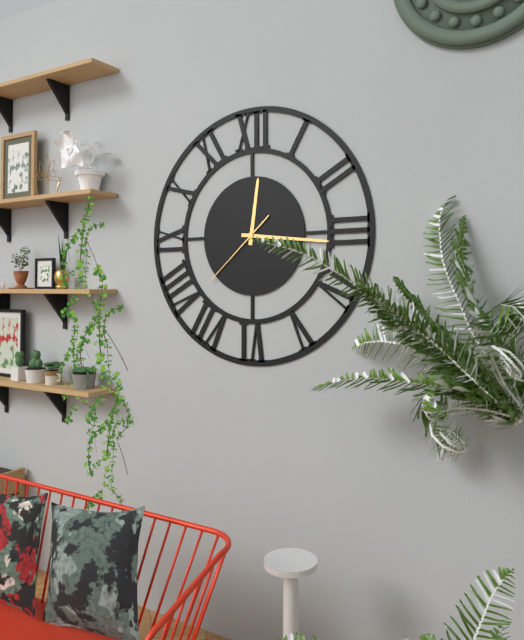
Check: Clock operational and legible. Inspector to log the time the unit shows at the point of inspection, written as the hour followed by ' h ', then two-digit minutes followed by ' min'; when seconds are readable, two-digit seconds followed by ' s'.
12 h 16 min 38 s
